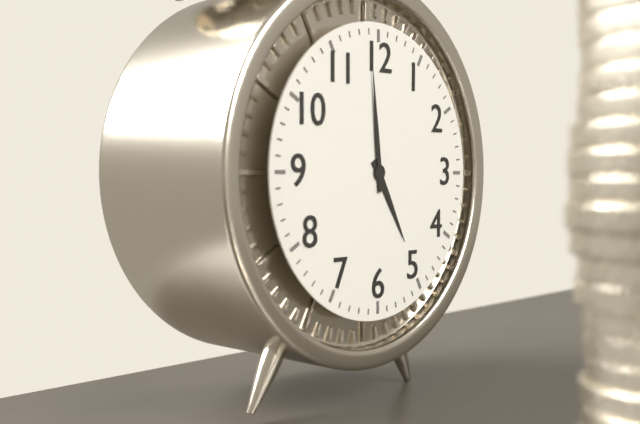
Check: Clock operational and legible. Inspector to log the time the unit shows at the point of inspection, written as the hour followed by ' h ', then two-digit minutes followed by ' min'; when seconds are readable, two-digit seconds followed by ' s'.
4 h 59 min
